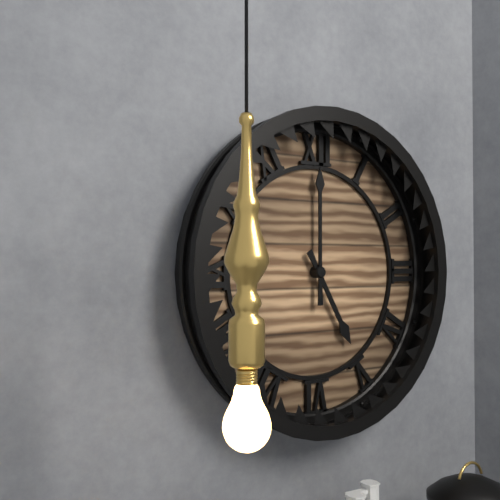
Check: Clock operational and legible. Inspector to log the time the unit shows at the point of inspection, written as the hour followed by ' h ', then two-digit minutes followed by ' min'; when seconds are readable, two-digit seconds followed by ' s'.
5 h 00 min
